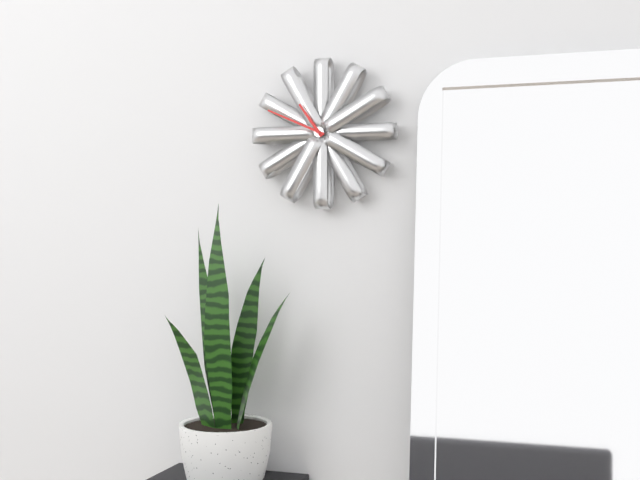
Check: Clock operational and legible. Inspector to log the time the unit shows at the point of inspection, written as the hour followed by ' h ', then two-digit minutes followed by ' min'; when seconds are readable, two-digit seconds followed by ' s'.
10 h 49 min
